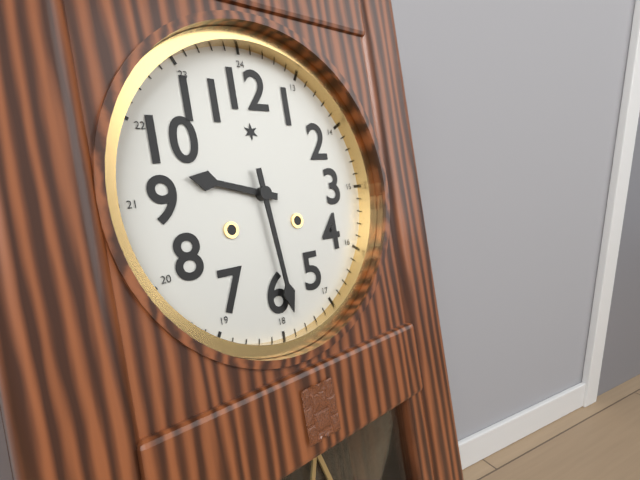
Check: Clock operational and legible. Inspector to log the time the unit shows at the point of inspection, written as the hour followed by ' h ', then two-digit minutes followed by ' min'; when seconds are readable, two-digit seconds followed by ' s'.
9 h 29 min
